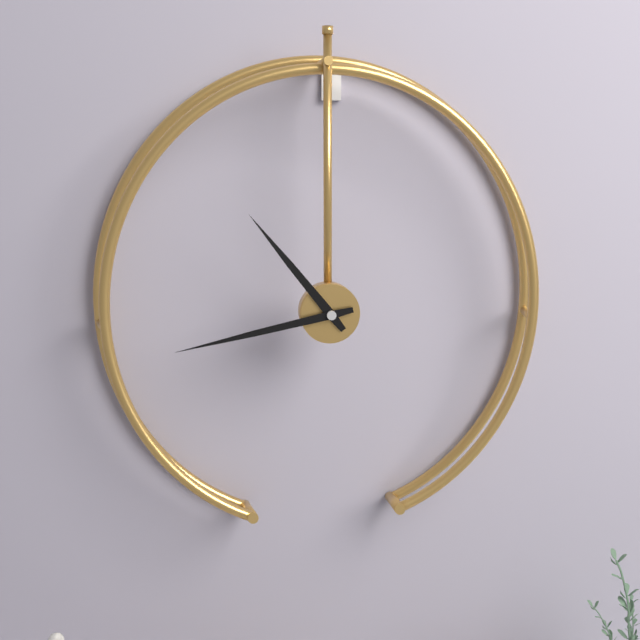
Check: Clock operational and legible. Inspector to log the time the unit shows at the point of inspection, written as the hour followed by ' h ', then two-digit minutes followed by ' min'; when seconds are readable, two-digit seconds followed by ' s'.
10 h 43 min
